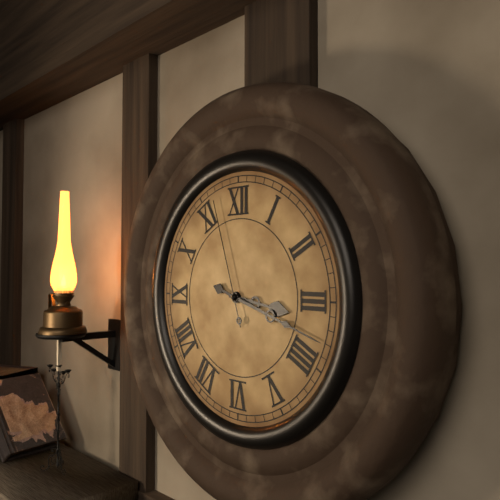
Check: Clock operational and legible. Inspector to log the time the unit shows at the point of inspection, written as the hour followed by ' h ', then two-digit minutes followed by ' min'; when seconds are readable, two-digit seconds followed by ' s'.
3 h 18 min 57 s
